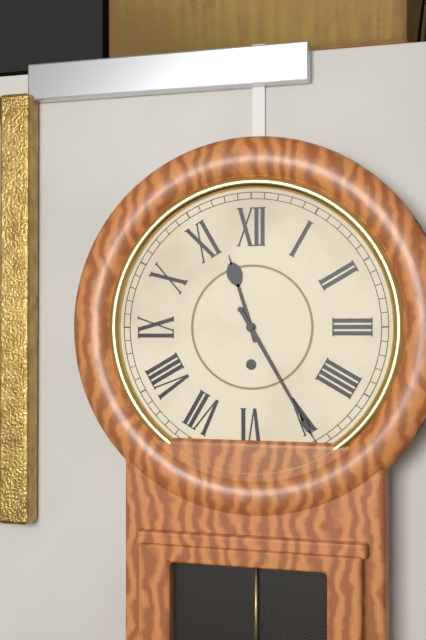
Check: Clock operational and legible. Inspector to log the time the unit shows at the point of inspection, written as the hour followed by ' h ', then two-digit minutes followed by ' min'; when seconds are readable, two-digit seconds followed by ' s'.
11 h 25 min
